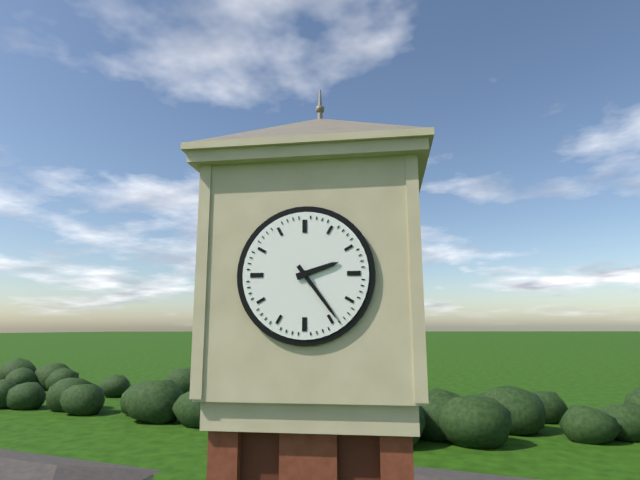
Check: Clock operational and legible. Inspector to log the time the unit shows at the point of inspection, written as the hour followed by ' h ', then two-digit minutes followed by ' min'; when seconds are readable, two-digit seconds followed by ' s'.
2 h 24 min
